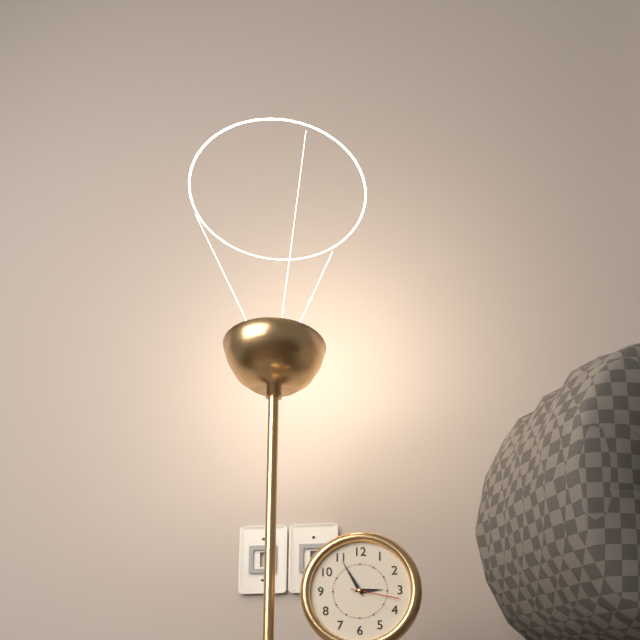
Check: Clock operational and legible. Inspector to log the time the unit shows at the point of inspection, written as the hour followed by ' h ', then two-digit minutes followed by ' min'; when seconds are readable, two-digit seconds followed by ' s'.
2 h 55 min 17 s
